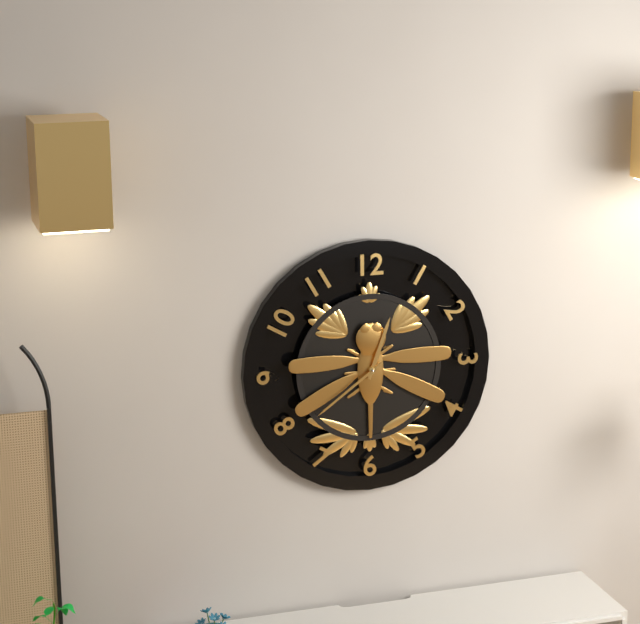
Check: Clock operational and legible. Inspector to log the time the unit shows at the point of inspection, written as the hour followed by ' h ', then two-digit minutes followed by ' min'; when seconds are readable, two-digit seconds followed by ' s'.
12 h 39 min
